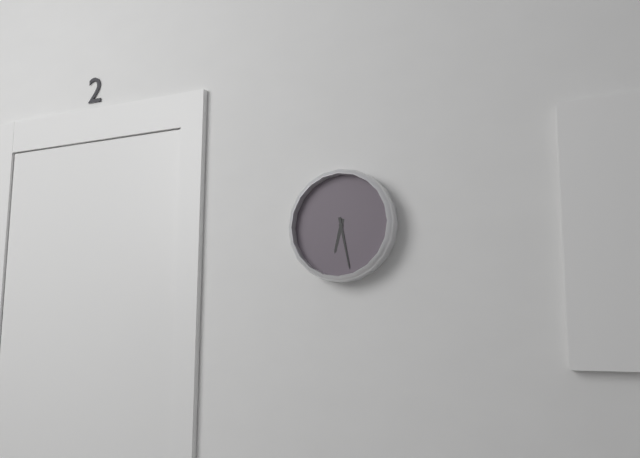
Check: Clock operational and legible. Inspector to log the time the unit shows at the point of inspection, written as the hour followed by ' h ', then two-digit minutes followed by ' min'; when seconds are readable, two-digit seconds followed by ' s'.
6 h 28 min
